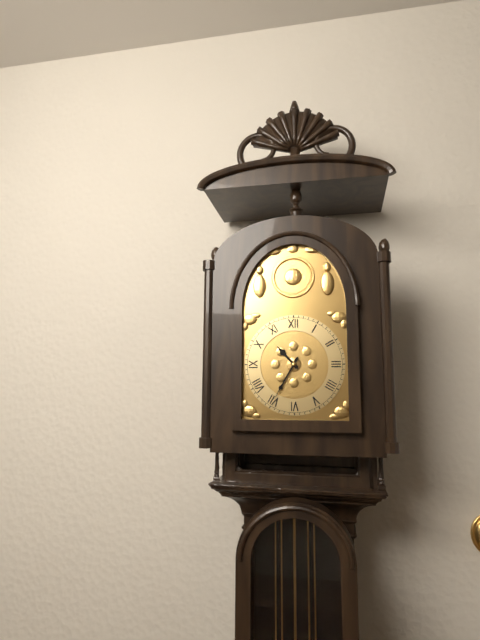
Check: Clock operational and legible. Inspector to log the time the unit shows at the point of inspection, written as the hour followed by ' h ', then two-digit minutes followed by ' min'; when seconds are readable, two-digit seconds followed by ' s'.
10 h 35 min
